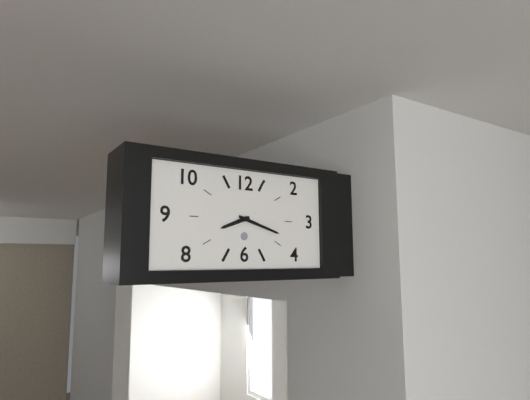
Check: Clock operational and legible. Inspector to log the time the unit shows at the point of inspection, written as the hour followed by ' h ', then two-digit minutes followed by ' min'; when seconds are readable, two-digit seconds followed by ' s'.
8 h 18 min
